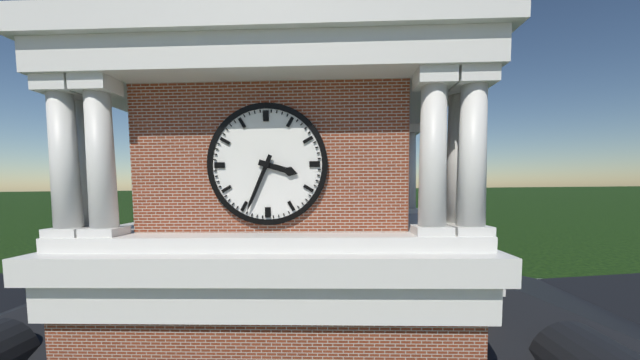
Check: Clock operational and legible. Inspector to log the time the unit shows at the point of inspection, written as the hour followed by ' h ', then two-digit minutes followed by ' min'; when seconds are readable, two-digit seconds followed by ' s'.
3 h 34 min
